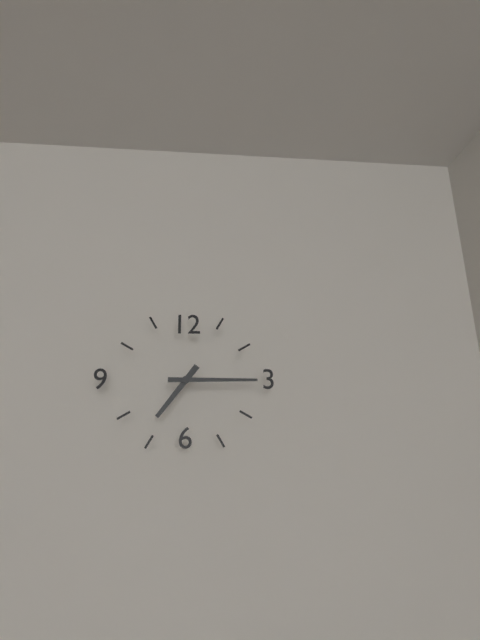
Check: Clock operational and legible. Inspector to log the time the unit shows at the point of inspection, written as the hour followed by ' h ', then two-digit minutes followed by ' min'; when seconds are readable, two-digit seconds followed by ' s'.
7 h 15 min
